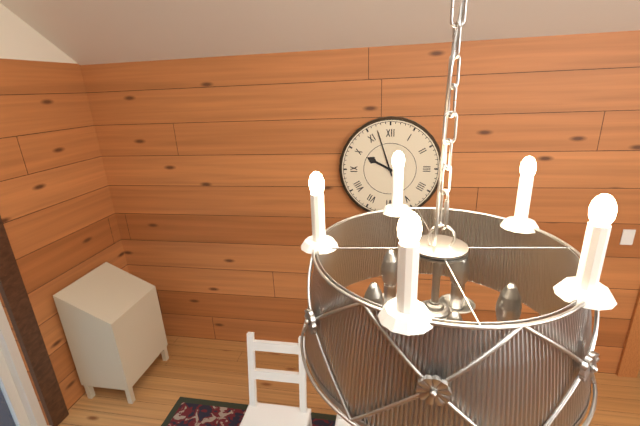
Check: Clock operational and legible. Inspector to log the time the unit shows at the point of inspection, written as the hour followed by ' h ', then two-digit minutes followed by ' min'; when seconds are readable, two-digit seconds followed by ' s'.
9 h 57 min
